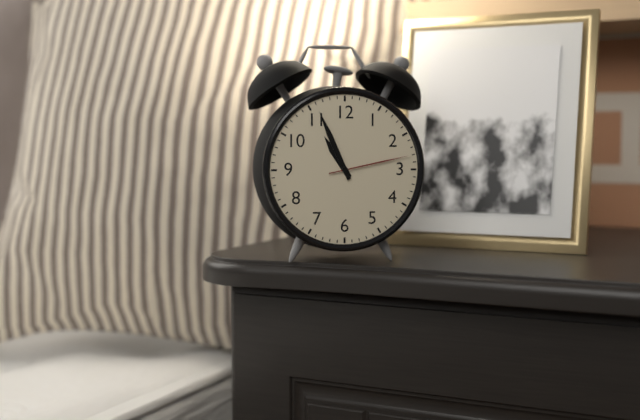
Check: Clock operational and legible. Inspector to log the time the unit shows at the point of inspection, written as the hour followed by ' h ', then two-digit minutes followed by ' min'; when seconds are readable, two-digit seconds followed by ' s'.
10 h 56 min 13 s
